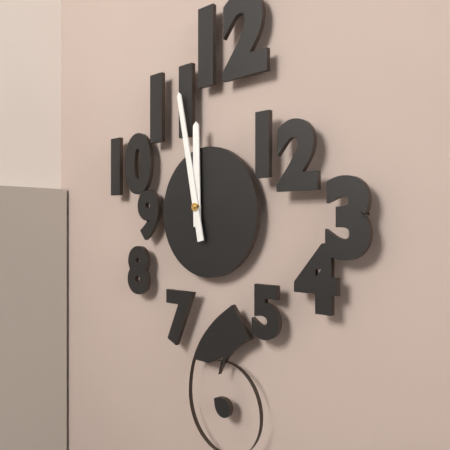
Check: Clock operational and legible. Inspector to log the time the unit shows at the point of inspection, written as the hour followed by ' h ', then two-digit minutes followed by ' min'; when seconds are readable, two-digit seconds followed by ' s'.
11 h 58 min
